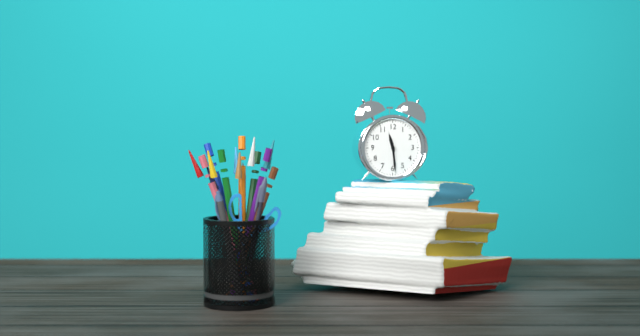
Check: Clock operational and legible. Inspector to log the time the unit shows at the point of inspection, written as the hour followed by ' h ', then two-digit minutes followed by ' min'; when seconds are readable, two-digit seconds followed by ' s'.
11 h 29 min
